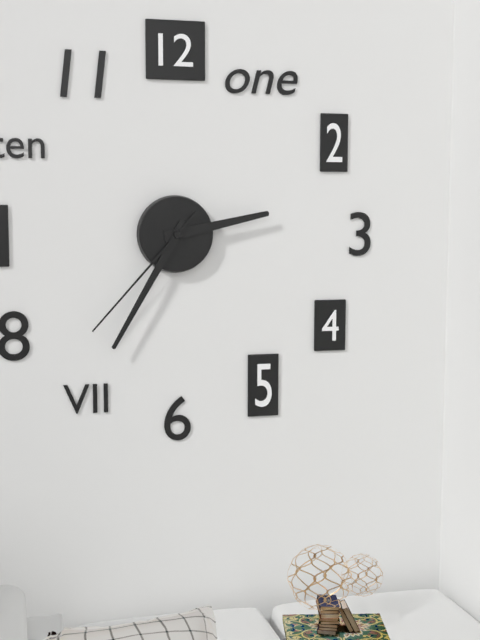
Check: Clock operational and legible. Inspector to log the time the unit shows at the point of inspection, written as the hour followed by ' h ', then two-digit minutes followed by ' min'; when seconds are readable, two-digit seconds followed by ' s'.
2 h 35 min 37 s
